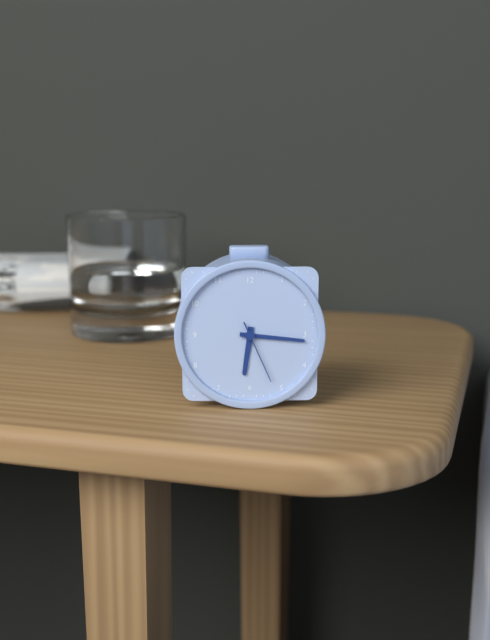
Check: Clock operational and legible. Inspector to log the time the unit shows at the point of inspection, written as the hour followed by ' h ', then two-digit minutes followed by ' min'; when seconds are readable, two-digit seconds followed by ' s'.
6 h 16 min 26 s
